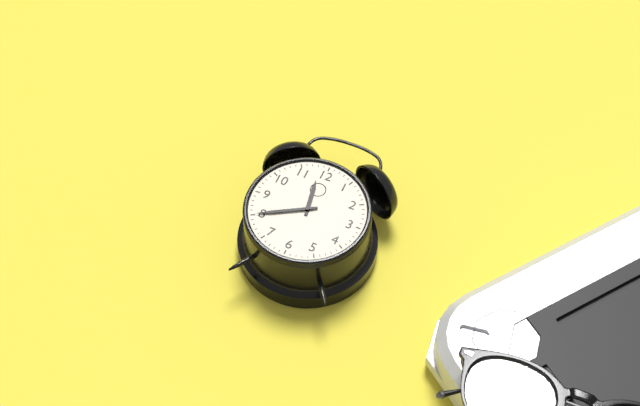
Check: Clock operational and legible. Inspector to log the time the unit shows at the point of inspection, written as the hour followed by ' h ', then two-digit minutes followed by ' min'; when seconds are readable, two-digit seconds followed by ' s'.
11 h 40 min
